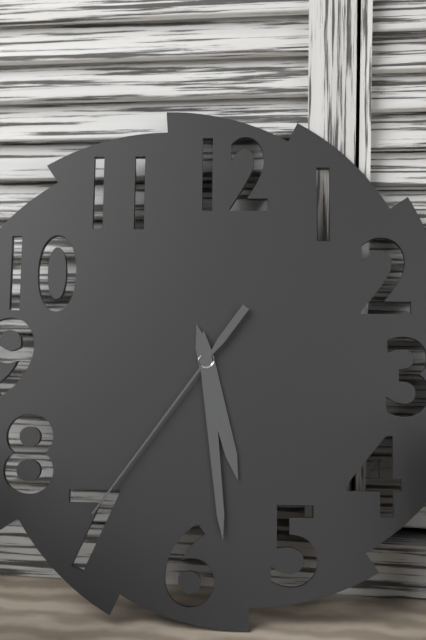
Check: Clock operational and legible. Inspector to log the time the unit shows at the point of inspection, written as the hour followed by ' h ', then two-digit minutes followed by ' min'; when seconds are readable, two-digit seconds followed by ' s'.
5 h 29 min 36 s
